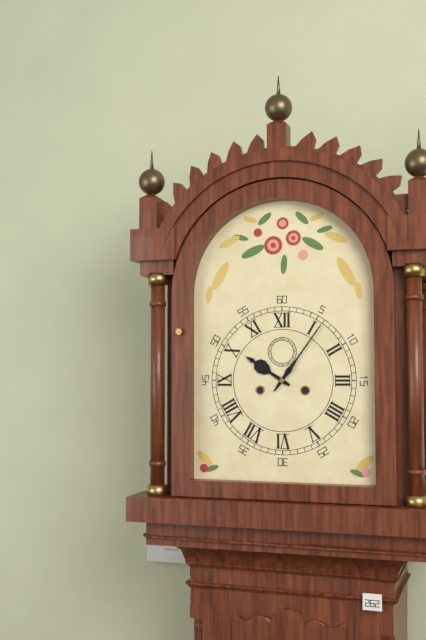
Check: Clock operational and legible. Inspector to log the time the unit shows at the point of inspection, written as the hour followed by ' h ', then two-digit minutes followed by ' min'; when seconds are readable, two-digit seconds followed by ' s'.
10 h 06 min
